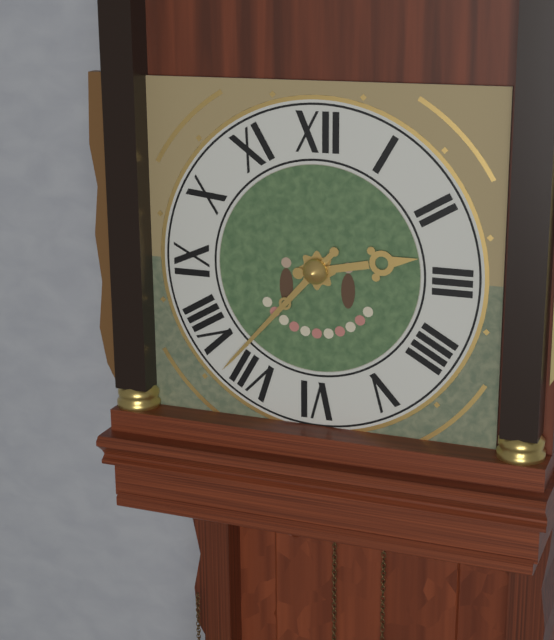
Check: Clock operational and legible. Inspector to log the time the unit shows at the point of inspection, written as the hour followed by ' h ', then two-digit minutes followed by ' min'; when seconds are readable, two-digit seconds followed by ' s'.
2 h 37 min
